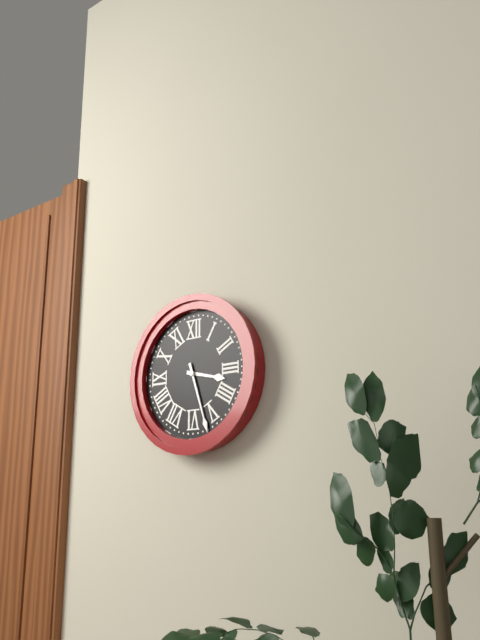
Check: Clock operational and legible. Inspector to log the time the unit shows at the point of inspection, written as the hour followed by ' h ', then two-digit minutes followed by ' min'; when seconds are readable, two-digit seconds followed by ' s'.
3 h 27 min
